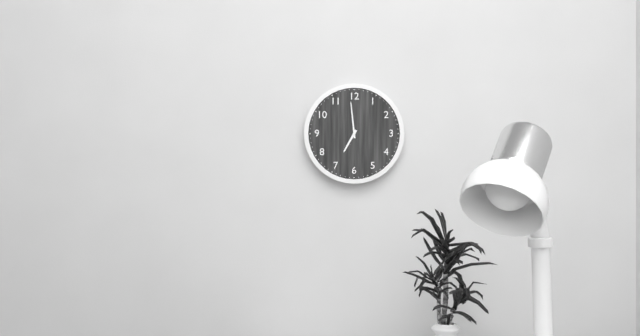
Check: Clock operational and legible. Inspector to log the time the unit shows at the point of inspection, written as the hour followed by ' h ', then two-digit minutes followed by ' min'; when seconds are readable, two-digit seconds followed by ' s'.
6 h 59 min
